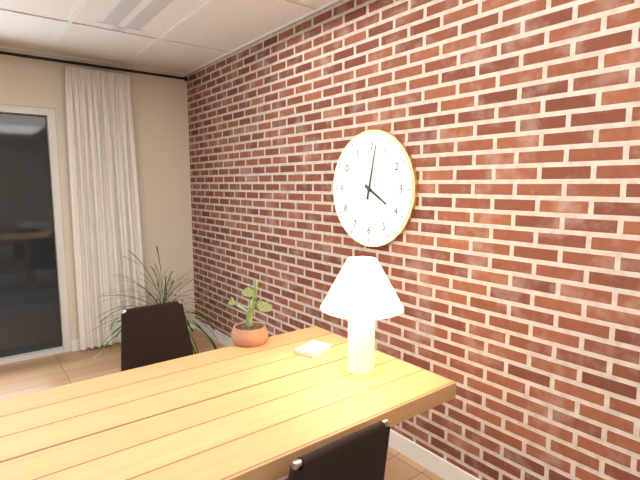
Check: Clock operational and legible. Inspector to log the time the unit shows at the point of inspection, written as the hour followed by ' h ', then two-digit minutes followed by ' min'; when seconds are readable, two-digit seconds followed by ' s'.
4 h 02 min
